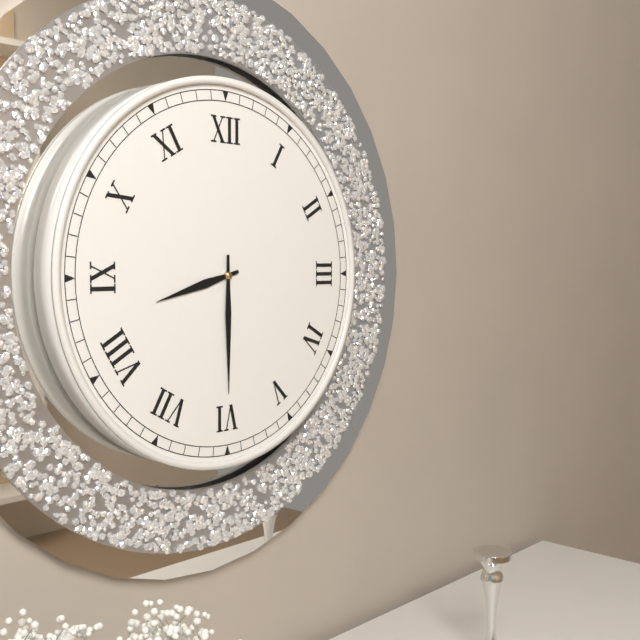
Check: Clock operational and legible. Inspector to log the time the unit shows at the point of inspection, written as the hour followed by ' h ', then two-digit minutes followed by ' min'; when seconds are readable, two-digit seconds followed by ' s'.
8 h 30 min
